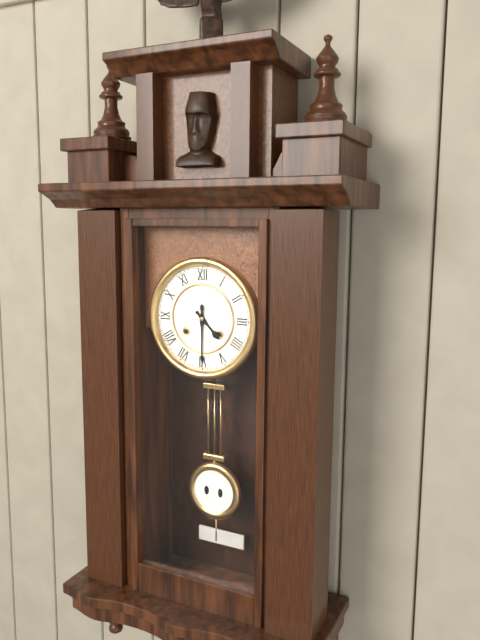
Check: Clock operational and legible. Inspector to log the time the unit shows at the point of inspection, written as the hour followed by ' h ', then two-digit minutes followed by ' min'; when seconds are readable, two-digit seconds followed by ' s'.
4 h 30 min
